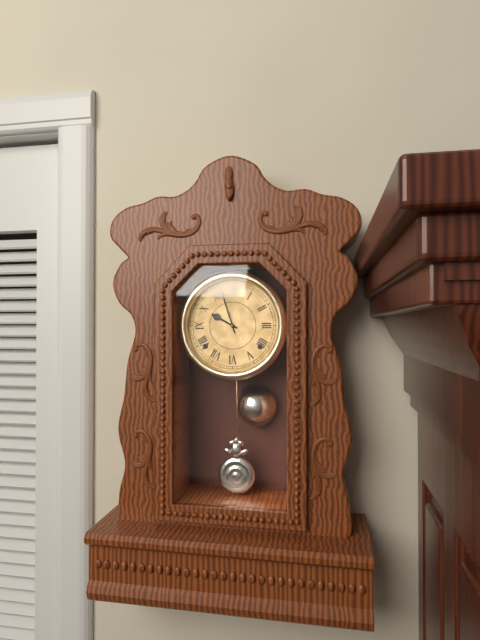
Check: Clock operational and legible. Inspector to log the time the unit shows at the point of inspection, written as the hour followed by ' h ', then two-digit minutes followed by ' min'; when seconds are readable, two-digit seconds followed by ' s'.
9 h 57 min
